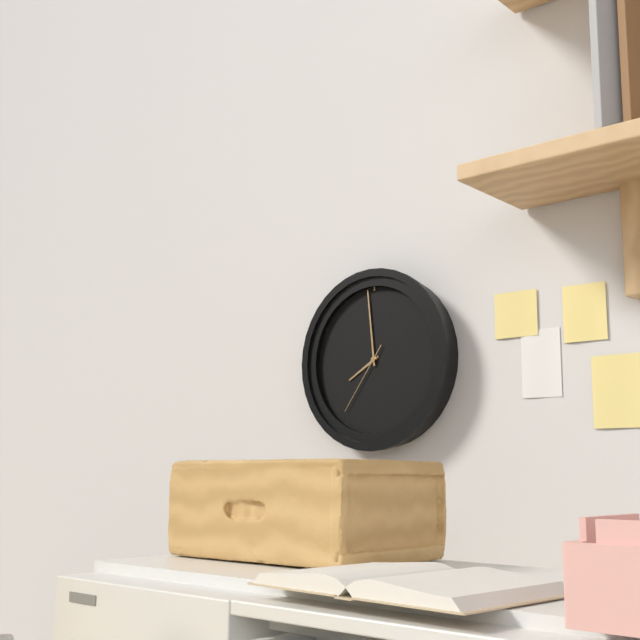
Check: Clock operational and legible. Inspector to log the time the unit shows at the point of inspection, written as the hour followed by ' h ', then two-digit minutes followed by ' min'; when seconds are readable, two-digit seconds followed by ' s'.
7 h 59 min 36 s
